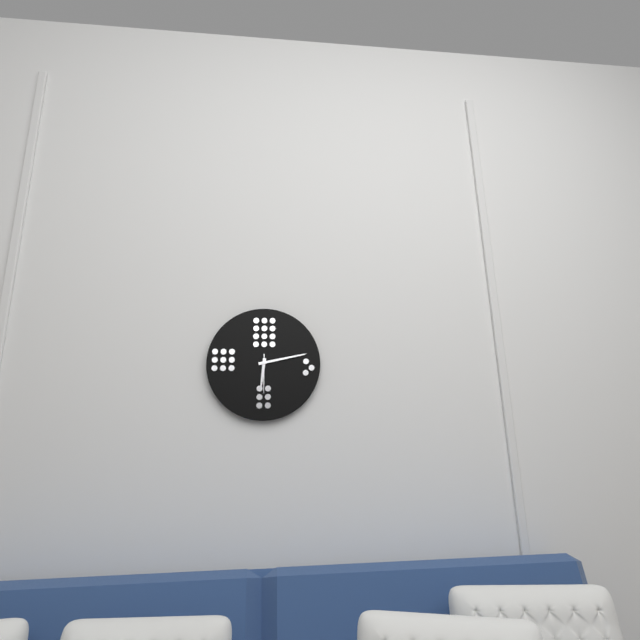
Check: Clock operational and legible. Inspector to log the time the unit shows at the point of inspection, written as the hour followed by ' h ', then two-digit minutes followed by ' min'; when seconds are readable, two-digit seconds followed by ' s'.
6 h 13 min
